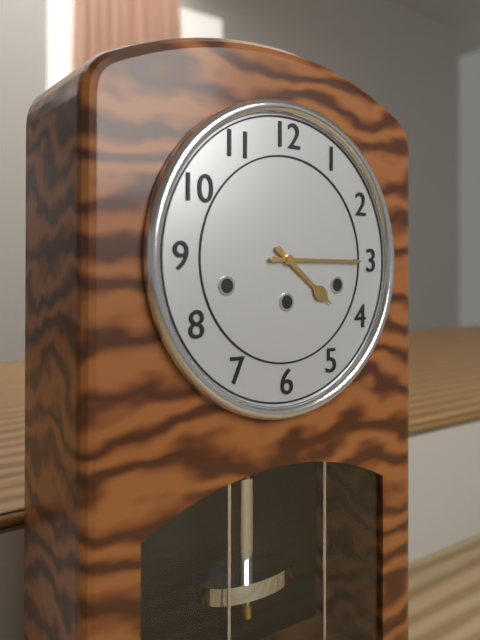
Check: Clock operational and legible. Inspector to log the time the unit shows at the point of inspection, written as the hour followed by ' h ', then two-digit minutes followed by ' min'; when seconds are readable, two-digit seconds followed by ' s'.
4 h 15 min
